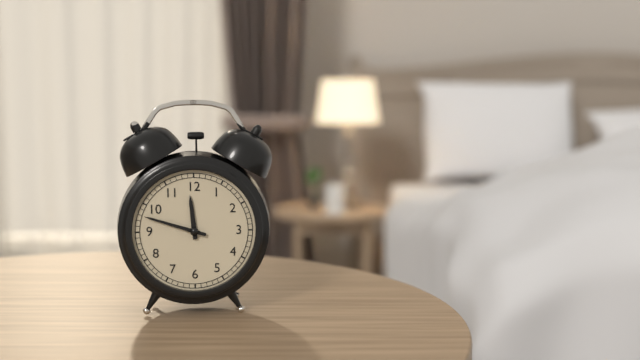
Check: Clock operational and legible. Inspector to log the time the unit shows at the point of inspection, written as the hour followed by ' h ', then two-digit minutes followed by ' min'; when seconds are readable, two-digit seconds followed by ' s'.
11 h 48 min
